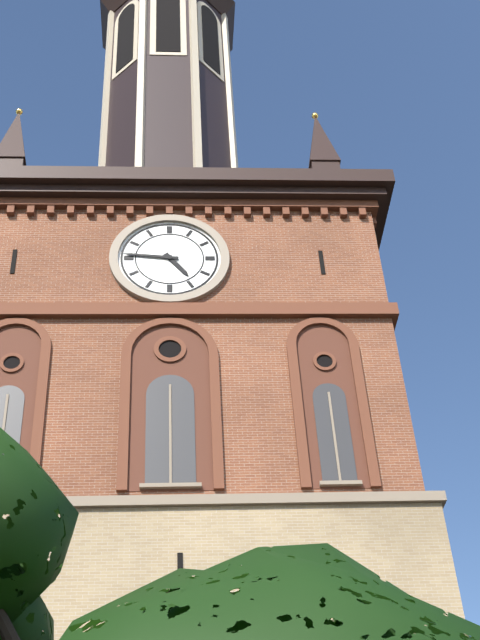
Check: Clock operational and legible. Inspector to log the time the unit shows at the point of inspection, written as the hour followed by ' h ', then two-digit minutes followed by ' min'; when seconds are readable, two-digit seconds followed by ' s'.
4 h 46 min
